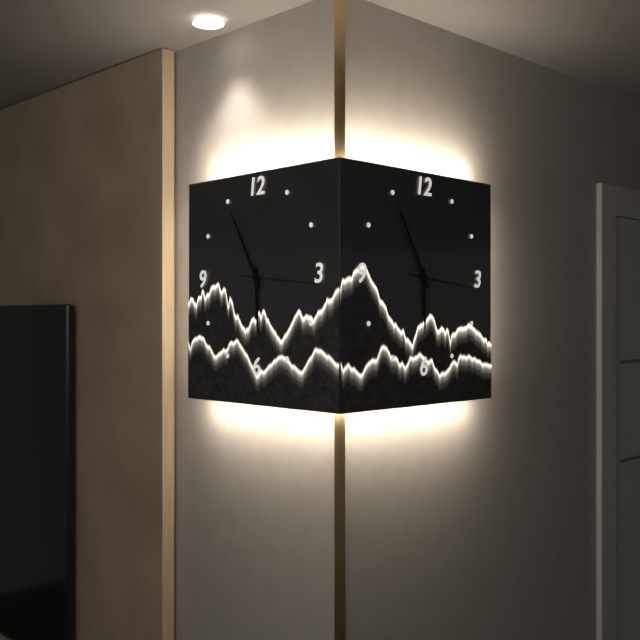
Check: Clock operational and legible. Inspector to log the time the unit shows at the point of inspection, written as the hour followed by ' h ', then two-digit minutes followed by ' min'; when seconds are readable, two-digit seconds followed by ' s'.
5 h 55 min 16 s
